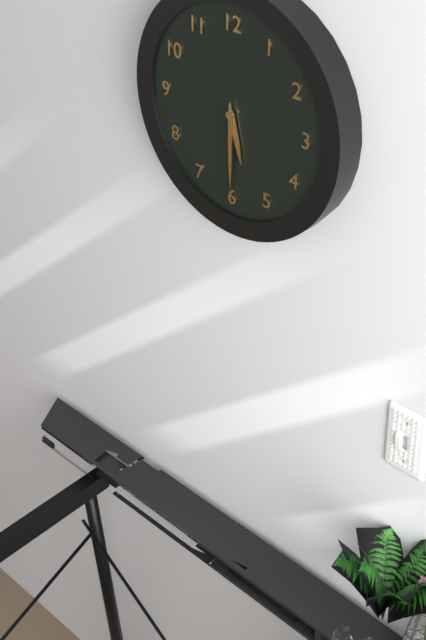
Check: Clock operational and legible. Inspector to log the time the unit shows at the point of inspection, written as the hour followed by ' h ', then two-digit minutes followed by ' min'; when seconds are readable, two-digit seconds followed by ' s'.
5 h 30 min
